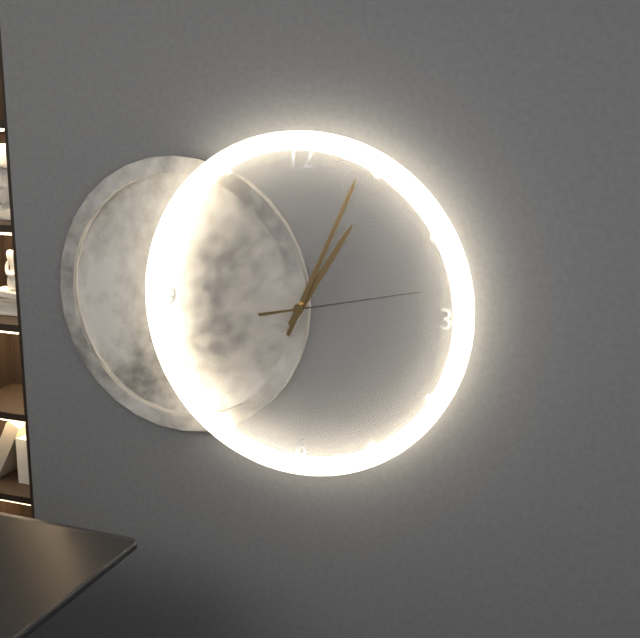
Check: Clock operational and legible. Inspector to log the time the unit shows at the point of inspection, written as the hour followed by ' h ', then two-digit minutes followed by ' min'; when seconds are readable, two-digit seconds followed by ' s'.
1 h 04 min 13 s
